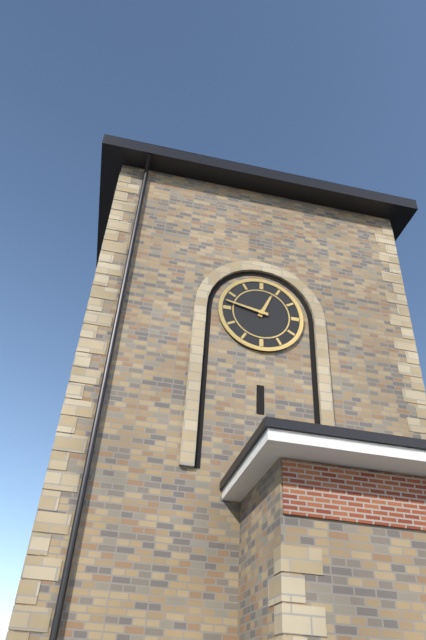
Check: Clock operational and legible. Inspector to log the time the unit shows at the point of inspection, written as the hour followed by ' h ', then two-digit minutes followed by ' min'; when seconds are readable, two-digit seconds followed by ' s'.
12 h 47 min
